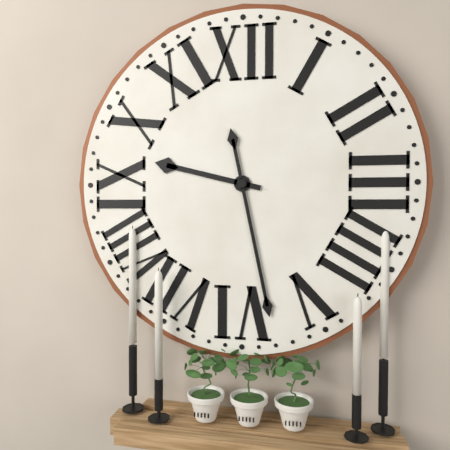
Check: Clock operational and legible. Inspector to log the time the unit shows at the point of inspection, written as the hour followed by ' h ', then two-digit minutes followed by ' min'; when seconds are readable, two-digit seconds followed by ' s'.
9 h 28 min
